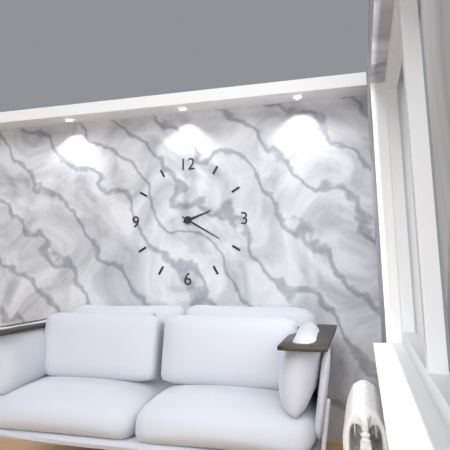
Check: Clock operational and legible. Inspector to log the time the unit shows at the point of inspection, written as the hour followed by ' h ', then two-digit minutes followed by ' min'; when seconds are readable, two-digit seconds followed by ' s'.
2 h 20 min
